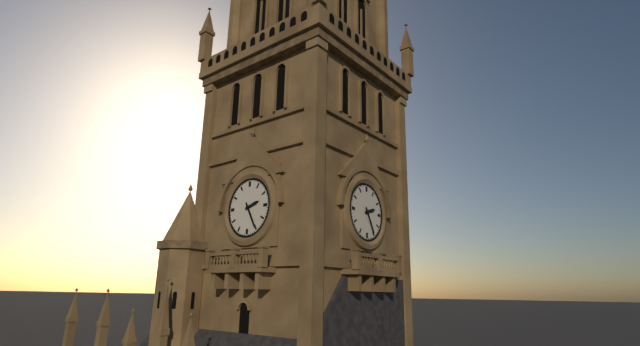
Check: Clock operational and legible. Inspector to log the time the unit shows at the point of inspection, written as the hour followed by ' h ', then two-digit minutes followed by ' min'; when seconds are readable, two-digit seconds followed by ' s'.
2 h 25 min
